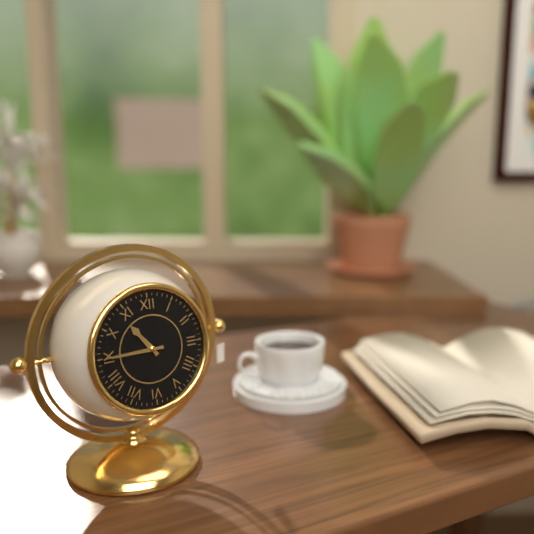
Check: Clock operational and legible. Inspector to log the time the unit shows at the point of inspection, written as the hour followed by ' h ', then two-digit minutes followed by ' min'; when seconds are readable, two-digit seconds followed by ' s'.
10 h 45 min
